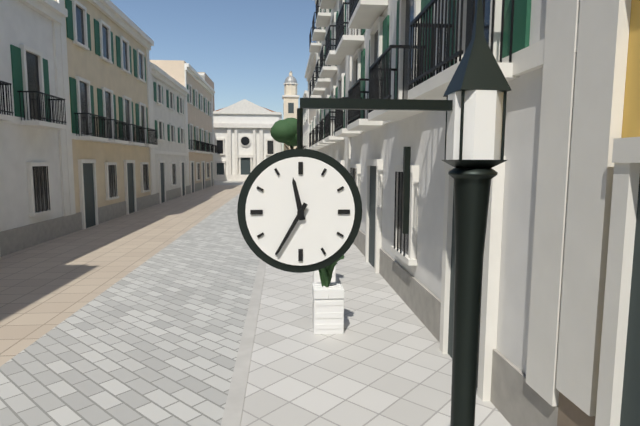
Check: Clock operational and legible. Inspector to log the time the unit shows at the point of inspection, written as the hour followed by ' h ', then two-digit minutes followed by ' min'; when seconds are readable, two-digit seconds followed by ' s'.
11 h 35 min
